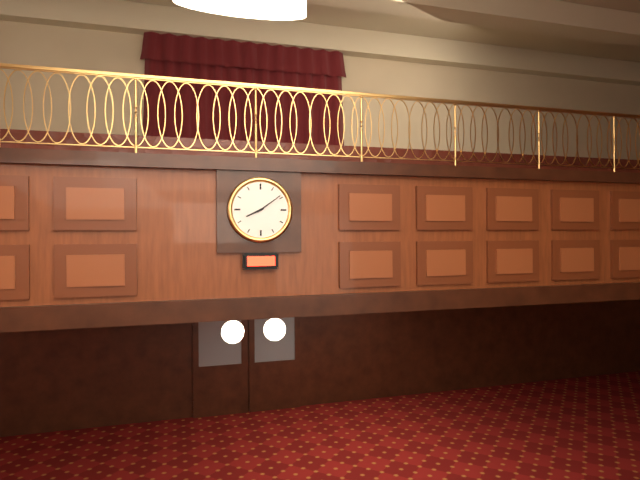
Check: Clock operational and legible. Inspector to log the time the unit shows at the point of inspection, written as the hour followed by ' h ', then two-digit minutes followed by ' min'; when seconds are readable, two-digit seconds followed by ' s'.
8 h 09 min
